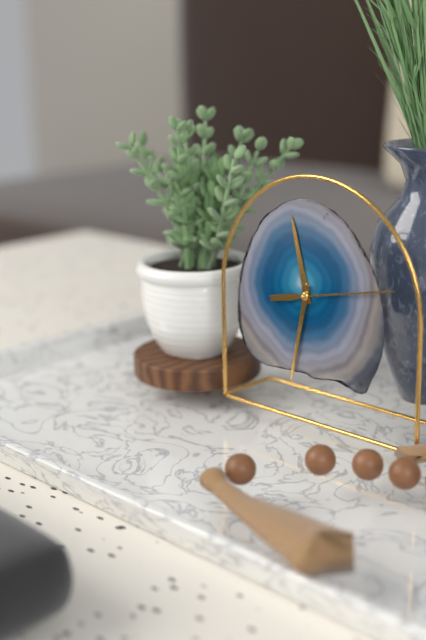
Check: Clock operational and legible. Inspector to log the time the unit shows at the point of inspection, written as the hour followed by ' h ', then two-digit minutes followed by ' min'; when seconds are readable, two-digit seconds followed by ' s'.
11 h 32 min 13 s
